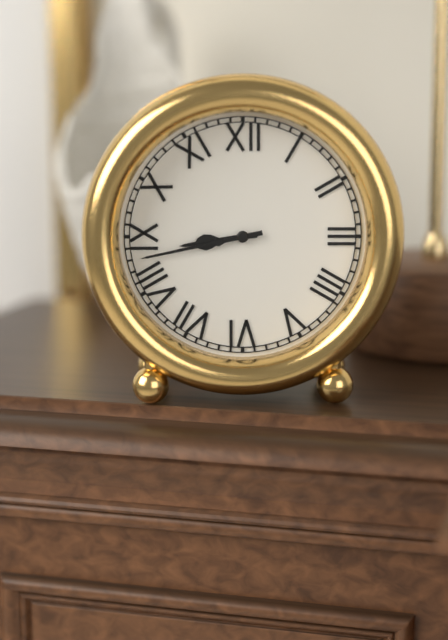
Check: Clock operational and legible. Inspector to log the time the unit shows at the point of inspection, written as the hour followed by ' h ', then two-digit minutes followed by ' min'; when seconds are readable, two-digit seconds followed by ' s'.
8 h 43 min
